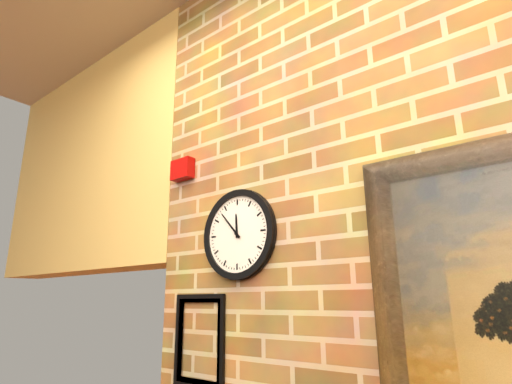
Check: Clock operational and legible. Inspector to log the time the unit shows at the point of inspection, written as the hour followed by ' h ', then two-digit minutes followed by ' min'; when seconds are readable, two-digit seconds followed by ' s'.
11 h 53 min
